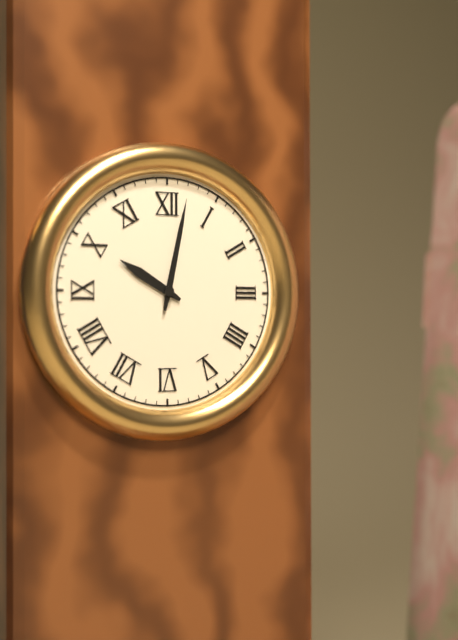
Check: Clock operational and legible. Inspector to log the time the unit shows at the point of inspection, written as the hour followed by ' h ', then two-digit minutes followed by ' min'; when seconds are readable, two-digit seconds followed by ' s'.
10 h 02 min
